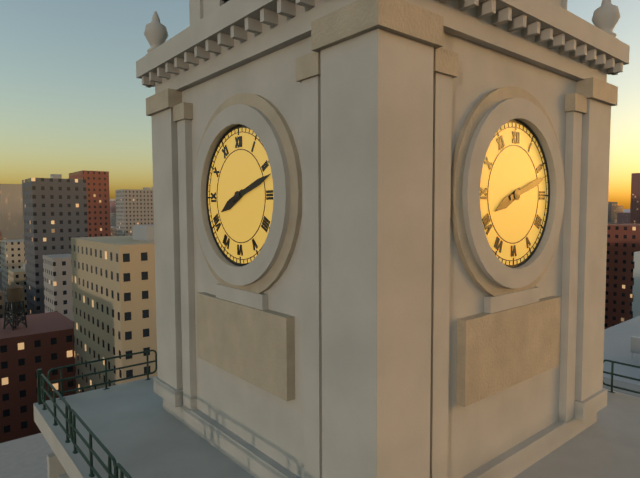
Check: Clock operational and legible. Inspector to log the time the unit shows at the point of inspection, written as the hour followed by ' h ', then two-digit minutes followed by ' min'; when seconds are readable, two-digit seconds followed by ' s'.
8 h 12 min
